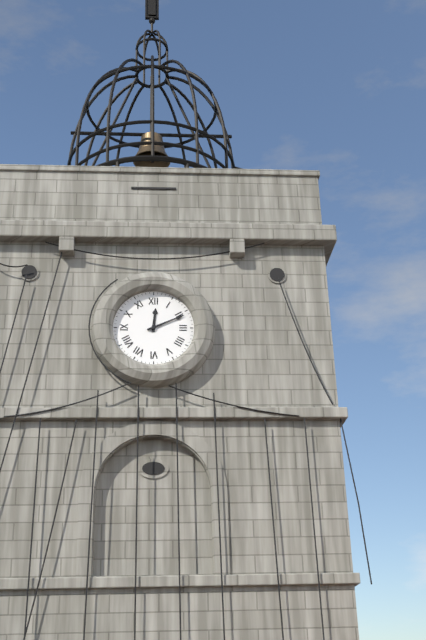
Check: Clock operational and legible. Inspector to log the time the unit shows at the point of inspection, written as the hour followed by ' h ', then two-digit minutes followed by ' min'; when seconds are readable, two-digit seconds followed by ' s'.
12 h 11 min
